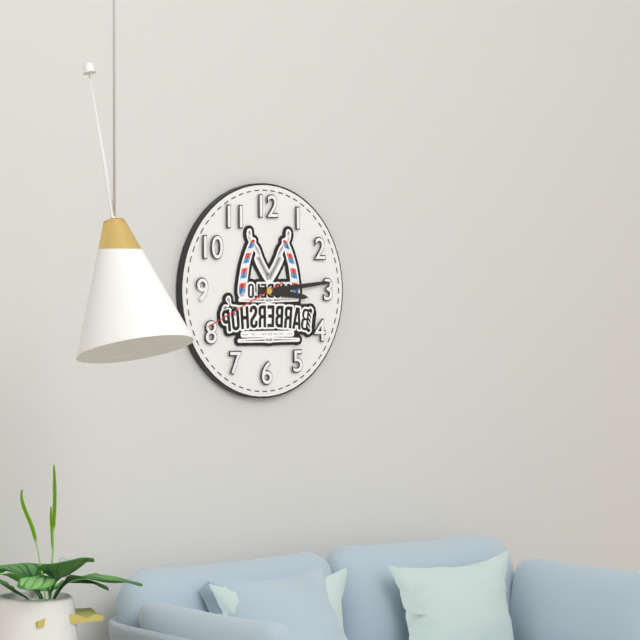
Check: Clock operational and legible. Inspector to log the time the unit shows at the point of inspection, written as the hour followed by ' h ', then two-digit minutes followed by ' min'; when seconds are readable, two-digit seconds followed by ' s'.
3 h 14 min 41 s
